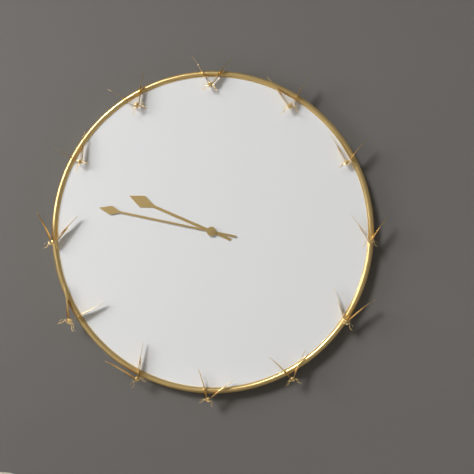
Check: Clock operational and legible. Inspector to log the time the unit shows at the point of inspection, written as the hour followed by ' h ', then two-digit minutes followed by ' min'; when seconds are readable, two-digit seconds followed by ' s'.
9 h 47 min
